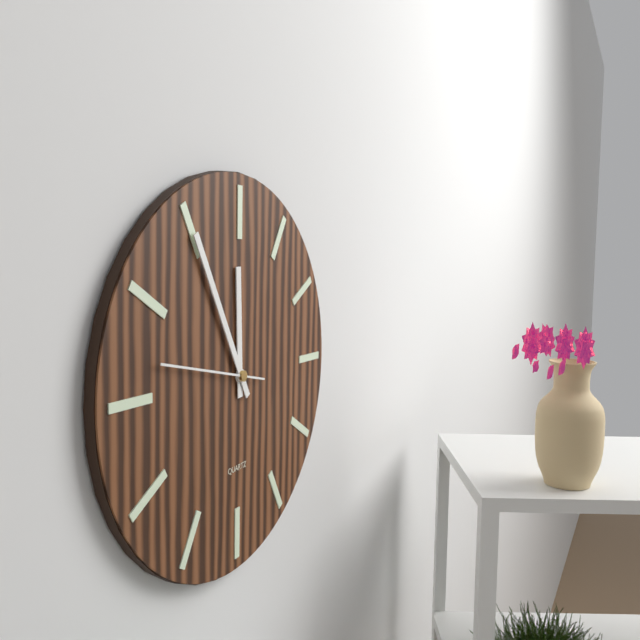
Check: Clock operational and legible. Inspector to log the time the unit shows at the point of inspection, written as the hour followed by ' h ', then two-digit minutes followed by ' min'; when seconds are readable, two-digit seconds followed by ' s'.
11 h 55 min 47 s
